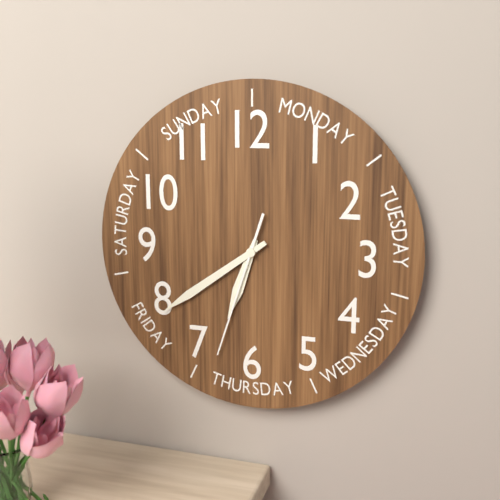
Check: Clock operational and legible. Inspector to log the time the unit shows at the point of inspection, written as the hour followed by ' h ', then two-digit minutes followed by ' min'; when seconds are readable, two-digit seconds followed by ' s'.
6 h 39 min 33 s
